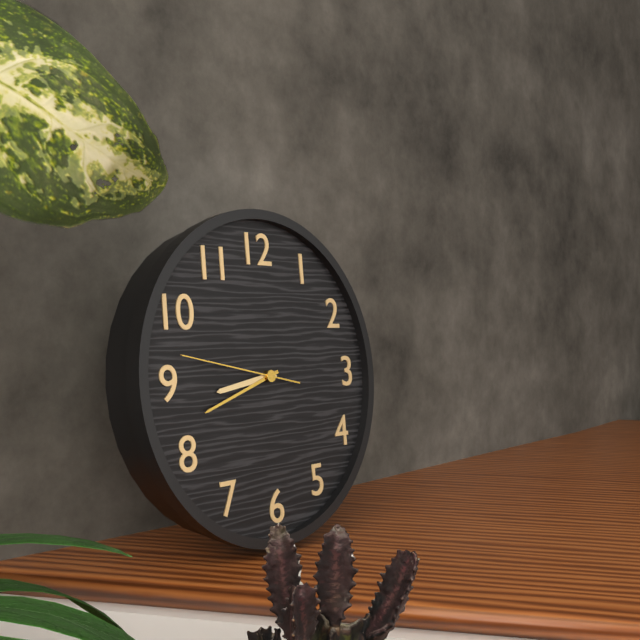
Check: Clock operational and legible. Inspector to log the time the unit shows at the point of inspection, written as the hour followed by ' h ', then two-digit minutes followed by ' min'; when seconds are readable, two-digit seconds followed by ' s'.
8 h 42 min 47 s
